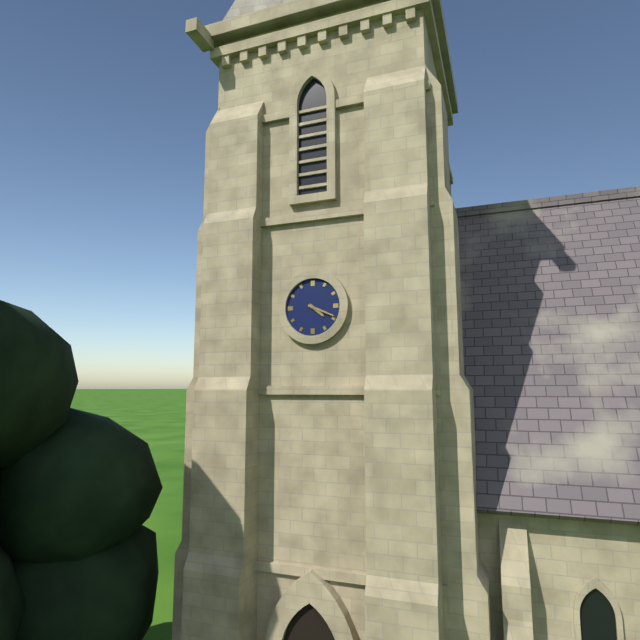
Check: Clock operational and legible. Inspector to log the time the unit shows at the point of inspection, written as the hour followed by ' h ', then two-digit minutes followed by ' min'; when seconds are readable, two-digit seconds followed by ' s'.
4 h 19 min
